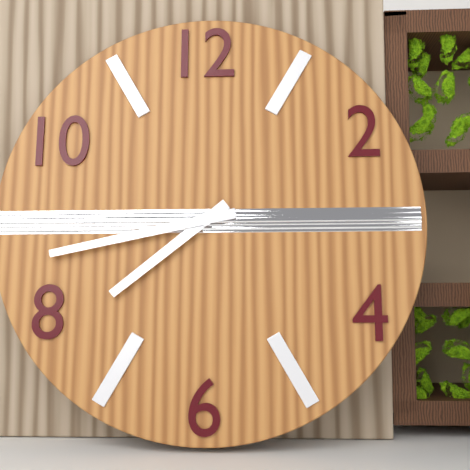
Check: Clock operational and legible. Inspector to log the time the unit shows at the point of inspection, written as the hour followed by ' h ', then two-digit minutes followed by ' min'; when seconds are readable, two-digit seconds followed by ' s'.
7 h 43 min
